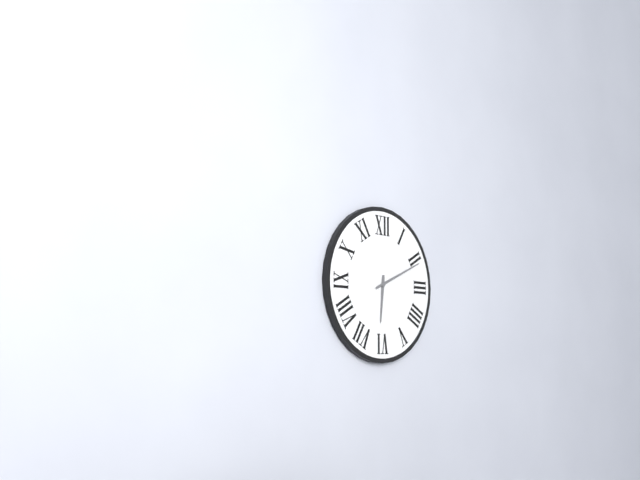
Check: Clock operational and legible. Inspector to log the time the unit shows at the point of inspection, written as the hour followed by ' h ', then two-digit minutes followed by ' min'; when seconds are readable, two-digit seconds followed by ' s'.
6 h 11 min
